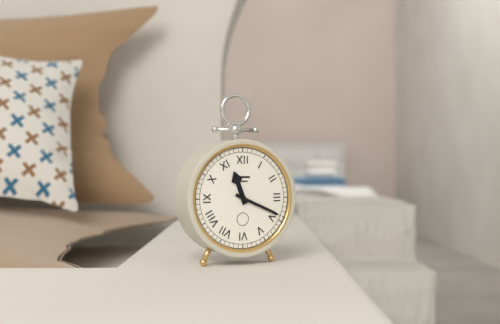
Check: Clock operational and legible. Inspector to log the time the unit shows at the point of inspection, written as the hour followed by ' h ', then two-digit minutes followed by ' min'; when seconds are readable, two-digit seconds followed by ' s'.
11 h 19 min
